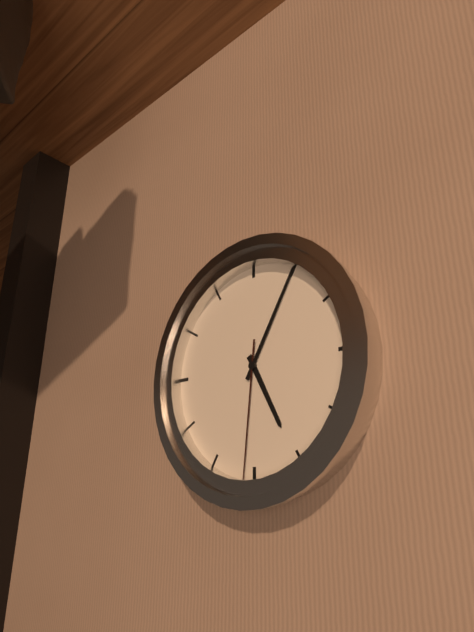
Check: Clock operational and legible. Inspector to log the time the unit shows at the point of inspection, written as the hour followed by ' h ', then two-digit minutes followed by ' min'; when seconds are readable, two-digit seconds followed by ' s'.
5 h 05 min 31 s
